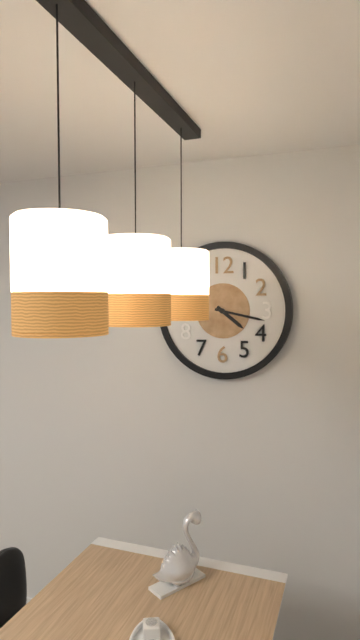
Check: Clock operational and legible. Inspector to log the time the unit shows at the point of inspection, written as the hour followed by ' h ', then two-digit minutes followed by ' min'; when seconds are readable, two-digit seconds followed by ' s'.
4 h 17 min
